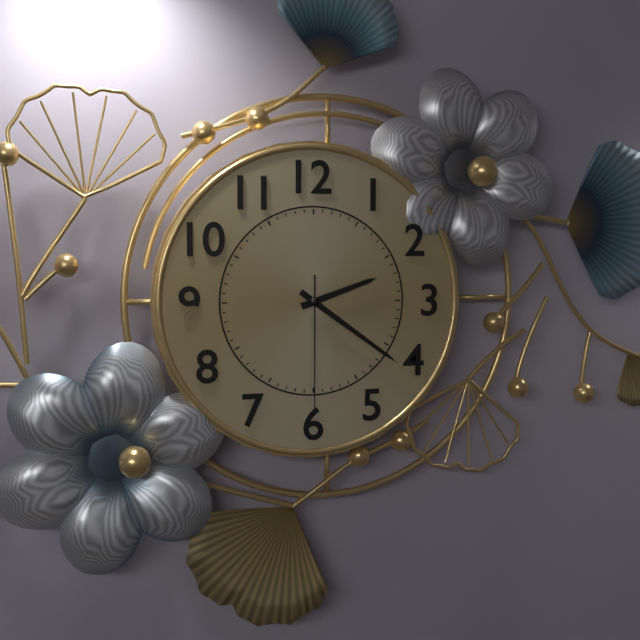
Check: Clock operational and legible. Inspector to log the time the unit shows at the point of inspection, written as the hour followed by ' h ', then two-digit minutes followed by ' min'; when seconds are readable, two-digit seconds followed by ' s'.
2 h 21 min 30 s
